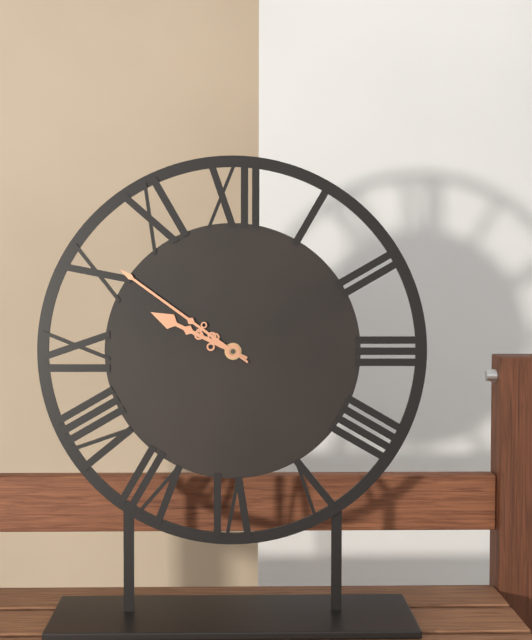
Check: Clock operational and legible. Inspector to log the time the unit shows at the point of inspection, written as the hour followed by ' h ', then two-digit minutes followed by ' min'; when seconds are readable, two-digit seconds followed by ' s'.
9 h 51 min
